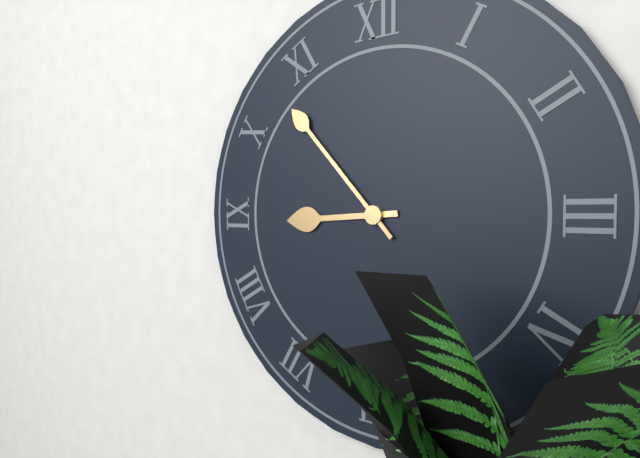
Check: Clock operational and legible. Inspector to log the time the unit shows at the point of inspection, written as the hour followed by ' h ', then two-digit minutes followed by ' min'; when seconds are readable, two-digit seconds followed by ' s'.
8 h 53 min
